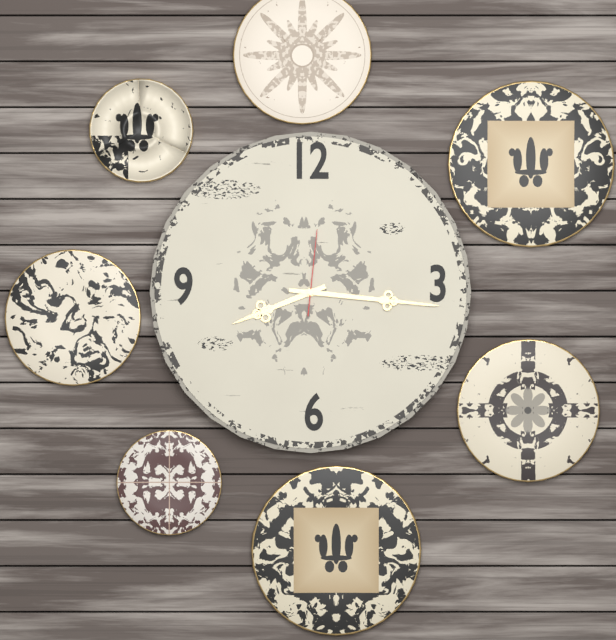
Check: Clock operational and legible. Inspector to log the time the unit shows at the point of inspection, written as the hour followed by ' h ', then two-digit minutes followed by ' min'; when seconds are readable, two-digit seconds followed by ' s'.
8 h 16 min 01 s
